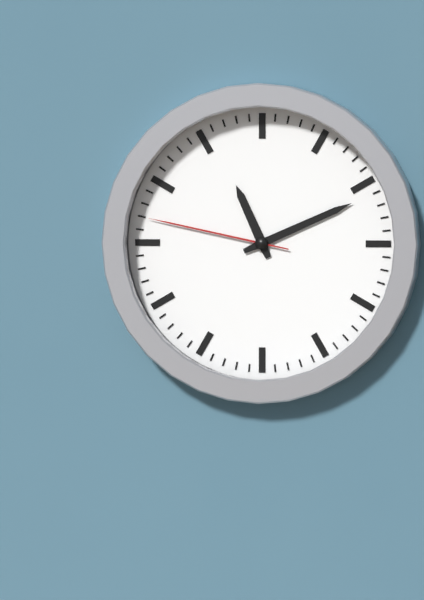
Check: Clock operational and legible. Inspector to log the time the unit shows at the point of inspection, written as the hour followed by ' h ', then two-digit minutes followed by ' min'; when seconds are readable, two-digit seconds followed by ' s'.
11 h 11 min 47 s
